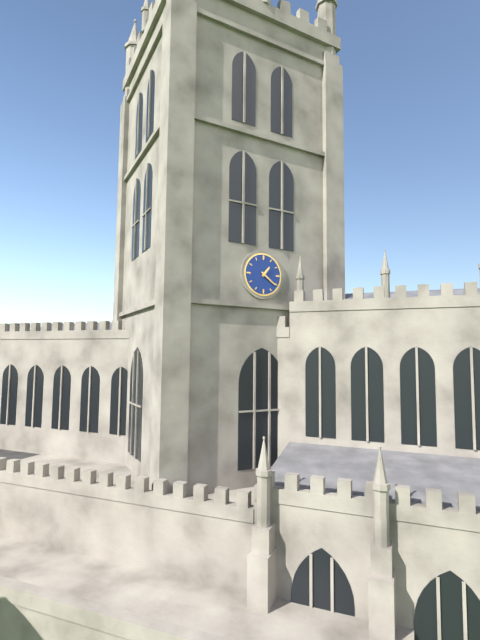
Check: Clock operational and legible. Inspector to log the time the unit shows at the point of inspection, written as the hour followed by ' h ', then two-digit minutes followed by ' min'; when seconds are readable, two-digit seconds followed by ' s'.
1 h 21 min
